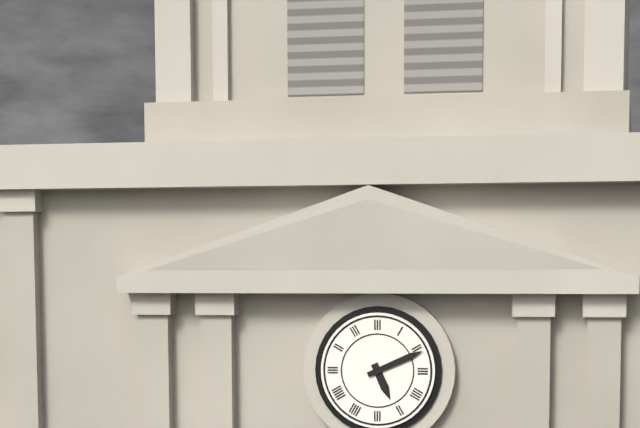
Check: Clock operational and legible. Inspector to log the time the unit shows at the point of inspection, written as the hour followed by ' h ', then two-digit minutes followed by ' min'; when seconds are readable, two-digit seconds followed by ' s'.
5 h 11 min
